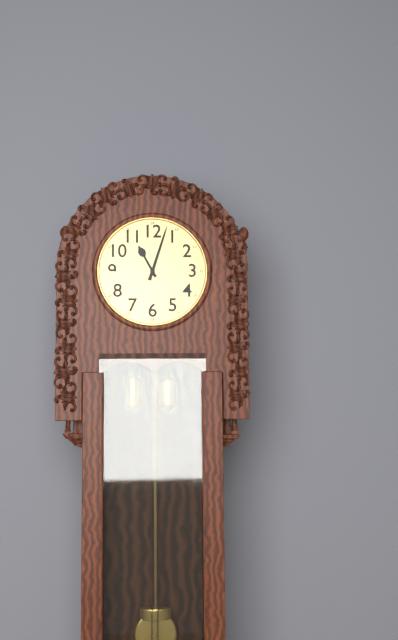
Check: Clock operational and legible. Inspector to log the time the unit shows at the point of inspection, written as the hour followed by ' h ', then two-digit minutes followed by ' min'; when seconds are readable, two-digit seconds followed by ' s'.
11 h 03 min
